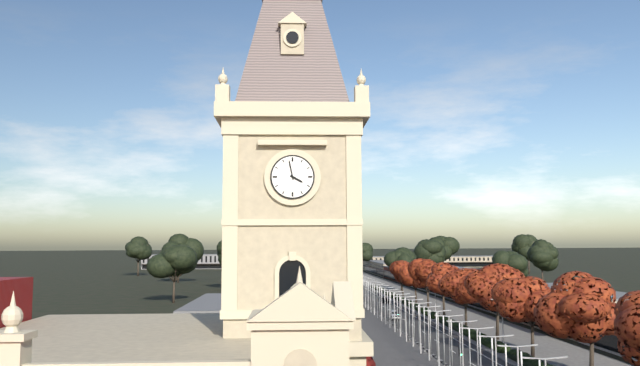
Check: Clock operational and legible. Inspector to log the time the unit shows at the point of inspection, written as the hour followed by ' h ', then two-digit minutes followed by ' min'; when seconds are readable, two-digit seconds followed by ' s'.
3 h 58 min
